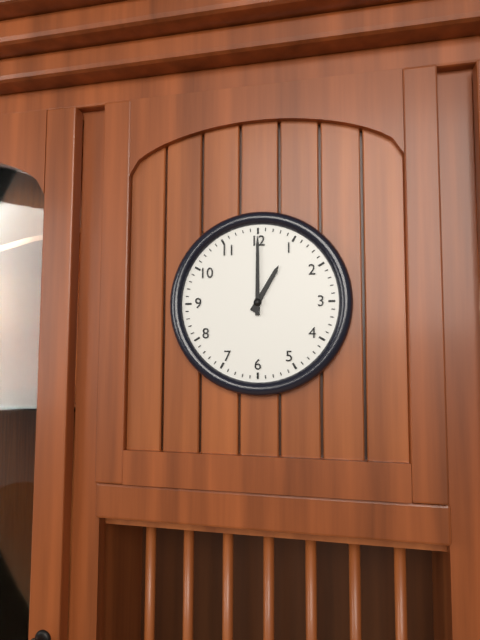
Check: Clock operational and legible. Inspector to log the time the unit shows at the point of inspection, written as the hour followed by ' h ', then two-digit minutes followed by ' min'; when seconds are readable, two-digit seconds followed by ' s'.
1 h 00 min
